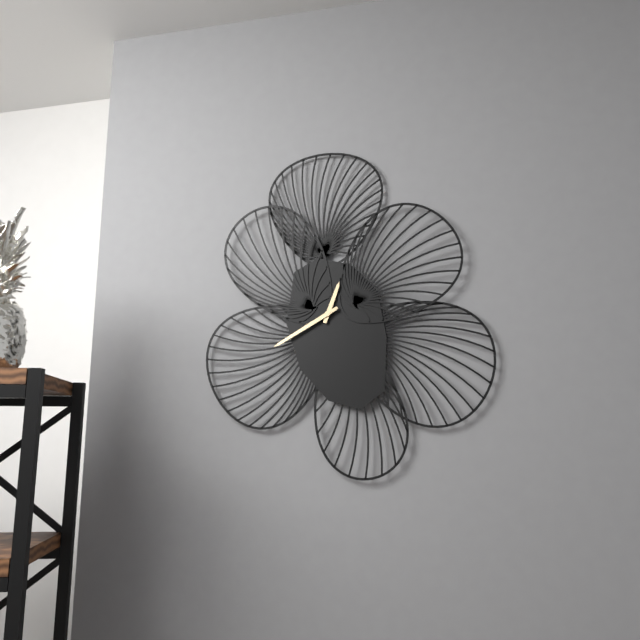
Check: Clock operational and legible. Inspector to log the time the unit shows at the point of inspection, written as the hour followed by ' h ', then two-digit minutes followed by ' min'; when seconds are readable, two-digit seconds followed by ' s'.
12 h 40 min
